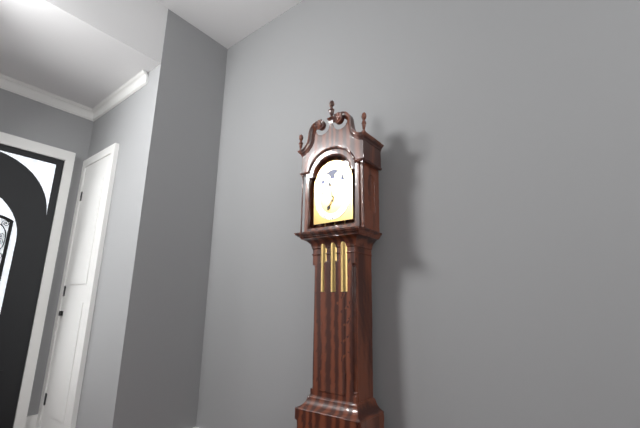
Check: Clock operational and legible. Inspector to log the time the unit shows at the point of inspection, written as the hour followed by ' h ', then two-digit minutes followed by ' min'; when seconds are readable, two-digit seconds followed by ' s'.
6 h 58 min
